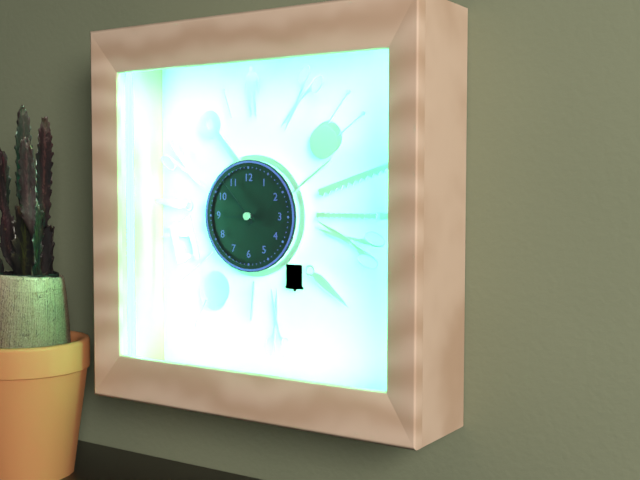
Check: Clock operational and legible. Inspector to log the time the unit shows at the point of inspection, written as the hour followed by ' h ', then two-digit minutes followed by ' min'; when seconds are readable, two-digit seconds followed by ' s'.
8 h 53 min
